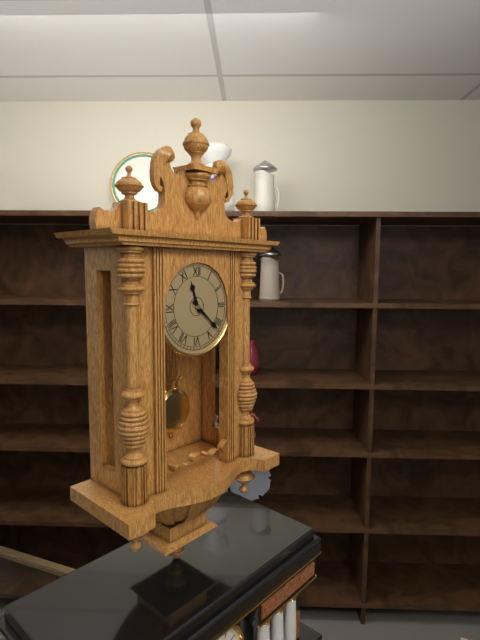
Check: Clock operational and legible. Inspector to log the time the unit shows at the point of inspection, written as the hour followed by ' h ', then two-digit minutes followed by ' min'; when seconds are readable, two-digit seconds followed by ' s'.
11 h 22 min
